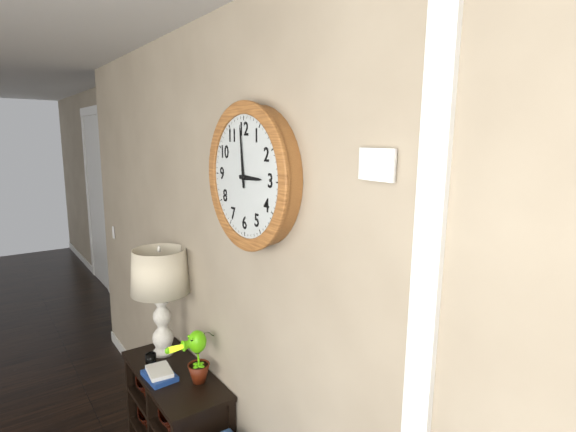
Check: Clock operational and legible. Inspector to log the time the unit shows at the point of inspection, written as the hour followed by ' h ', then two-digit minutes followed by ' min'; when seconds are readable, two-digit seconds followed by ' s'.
2 h 59 min
